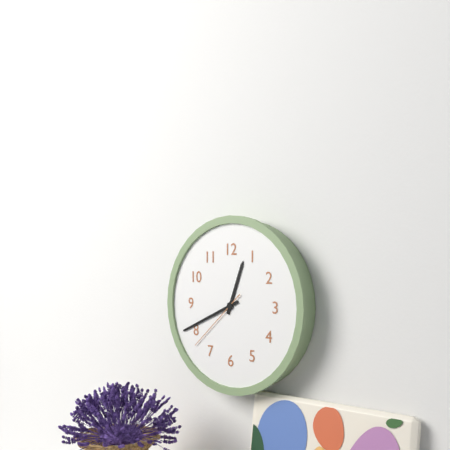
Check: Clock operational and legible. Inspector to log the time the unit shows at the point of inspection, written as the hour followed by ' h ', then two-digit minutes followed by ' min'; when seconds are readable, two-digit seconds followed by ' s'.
12 h 41 min 38 s
